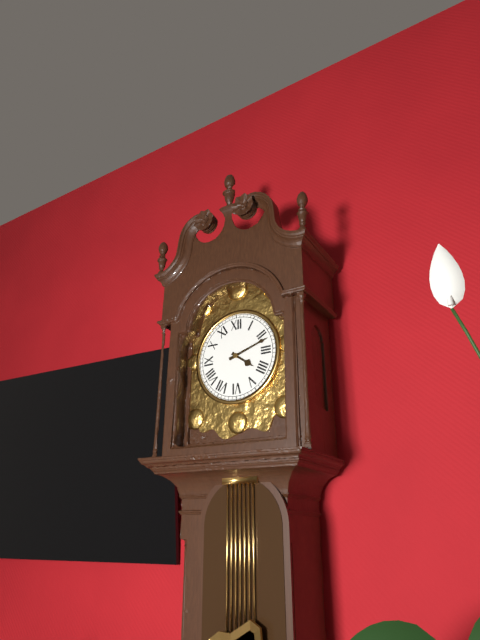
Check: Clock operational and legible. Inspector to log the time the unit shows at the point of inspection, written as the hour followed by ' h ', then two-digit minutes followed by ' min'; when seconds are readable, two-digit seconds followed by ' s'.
4 h 12 min
